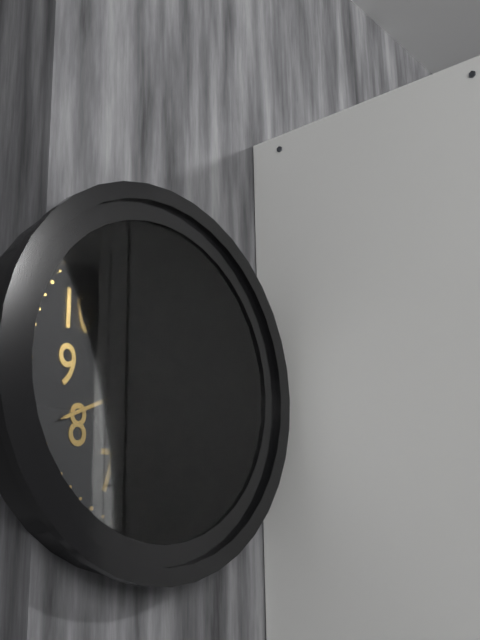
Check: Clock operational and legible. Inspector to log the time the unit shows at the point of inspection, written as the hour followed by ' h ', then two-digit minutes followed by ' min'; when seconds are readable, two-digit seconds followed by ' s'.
2 h 41 min
